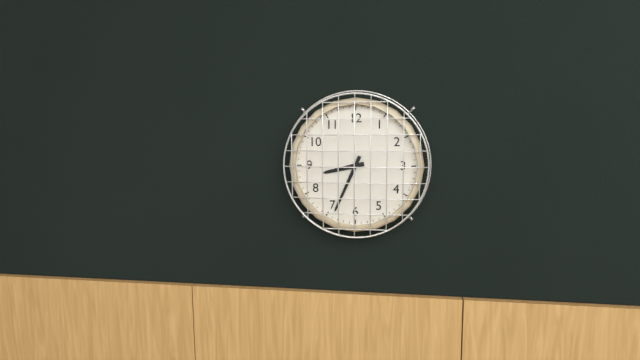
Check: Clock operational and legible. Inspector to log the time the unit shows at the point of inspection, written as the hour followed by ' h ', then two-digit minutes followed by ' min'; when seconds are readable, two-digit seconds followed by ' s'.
8 h 34 min
